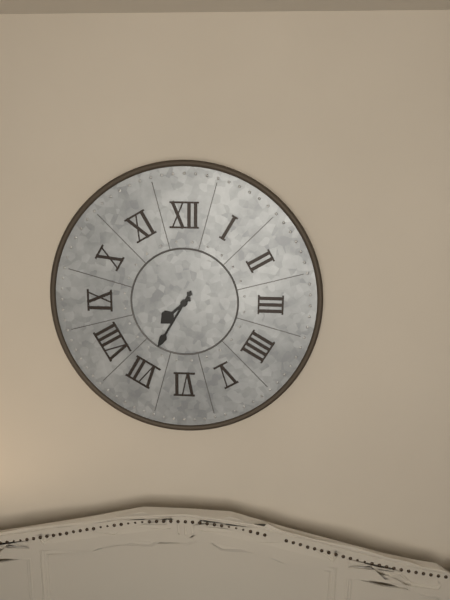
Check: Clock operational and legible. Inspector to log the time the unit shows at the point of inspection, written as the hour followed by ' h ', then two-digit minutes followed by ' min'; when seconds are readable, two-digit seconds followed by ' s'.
7 h 35 min
